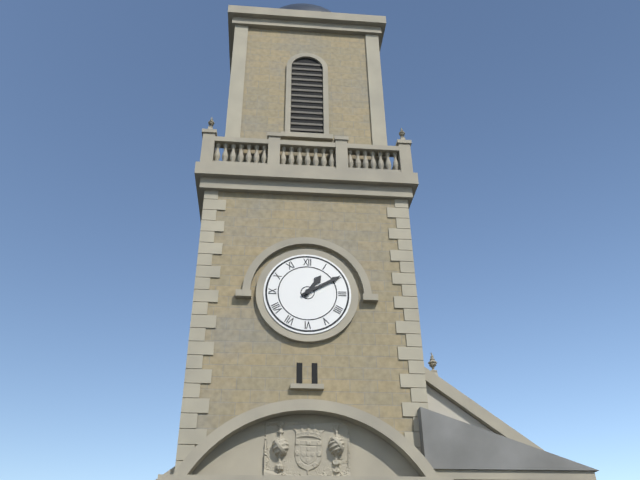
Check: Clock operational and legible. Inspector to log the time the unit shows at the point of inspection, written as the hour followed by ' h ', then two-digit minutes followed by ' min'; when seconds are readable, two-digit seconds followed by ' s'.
1 h 10 min
